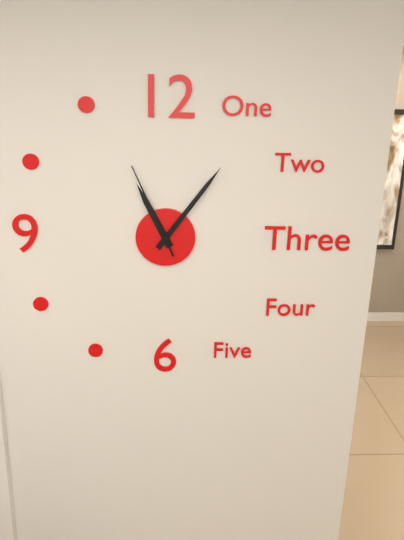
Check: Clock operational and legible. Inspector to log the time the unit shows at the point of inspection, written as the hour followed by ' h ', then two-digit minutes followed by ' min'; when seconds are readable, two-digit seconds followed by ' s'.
11 h 06 min 56 s
